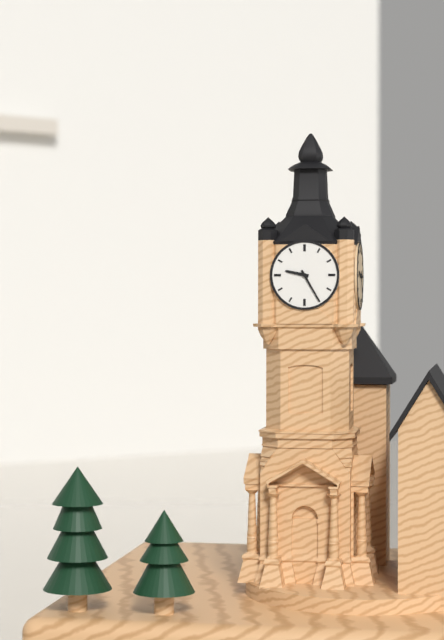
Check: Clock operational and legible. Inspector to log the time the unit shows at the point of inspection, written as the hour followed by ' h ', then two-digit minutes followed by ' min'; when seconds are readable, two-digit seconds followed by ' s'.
9 h 25 min
